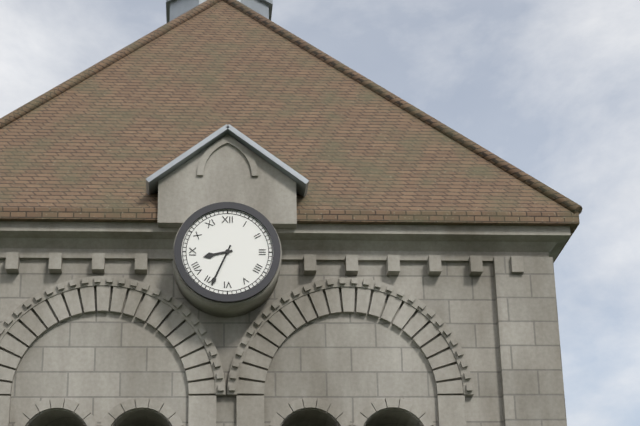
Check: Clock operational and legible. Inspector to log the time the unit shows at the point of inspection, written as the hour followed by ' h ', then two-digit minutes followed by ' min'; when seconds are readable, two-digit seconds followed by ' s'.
8 h 34 min
